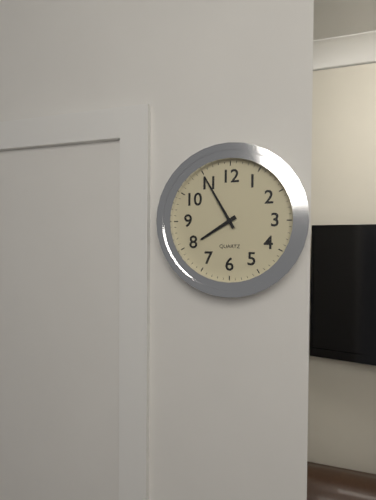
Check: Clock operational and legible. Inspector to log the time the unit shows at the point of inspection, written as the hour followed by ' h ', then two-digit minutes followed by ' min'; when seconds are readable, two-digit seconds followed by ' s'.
7 h 55 min
